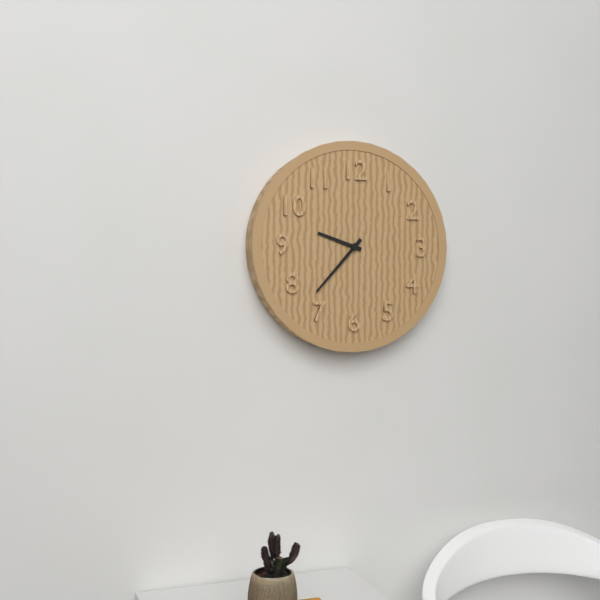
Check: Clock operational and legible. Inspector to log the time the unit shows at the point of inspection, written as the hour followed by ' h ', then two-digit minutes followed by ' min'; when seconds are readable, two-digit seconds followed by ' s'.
9 h 37 min
